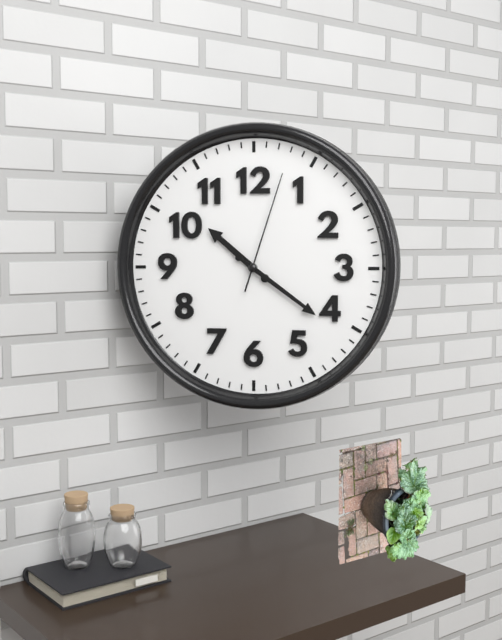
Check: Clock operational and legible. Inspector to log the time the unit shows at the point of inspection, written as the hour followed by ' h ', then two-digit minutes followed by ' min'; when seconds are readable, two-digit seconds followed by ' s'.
10 h 21 min 03 s
